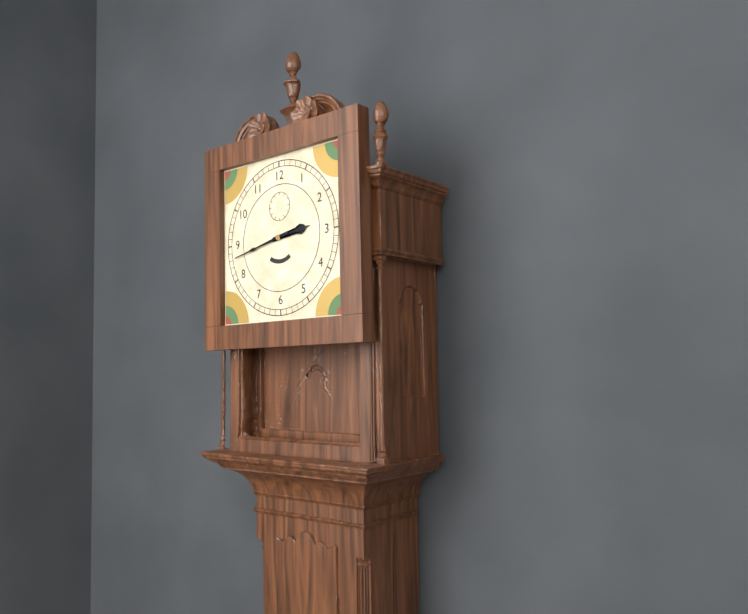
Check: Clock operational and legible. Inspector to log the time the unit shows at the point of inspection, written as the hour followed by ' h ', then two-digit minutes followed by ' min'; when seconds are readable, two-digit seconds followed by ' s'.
2 h 43 min
